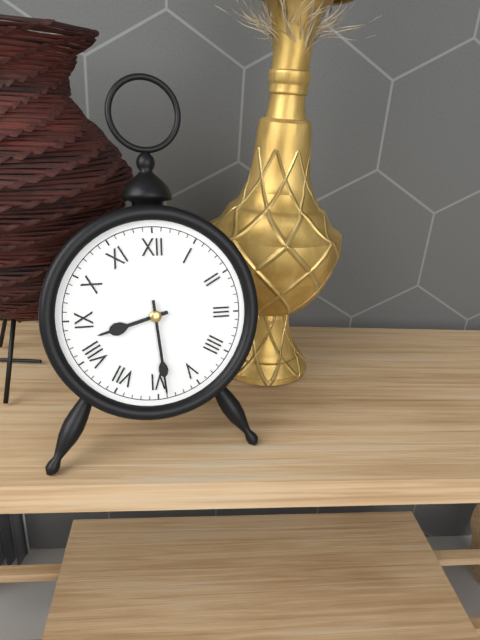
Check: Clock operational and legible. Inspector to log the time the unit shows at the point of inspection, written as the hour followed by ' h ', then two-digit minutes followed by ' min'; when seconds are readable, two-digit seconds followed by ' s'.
8 h 29 min
